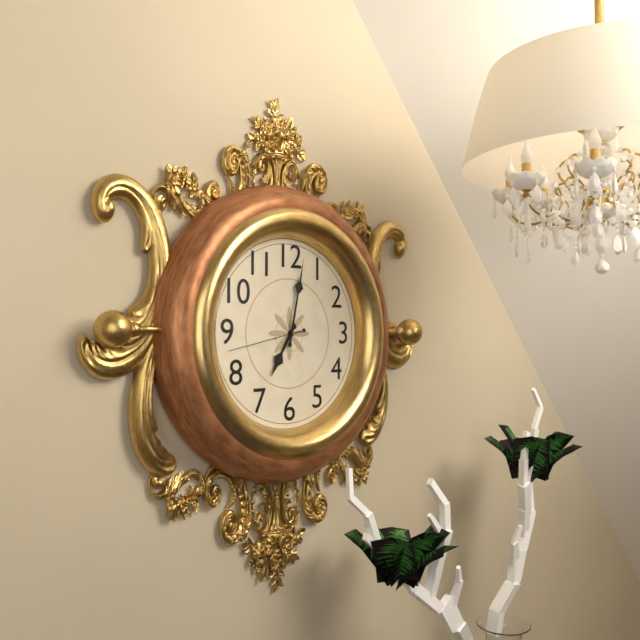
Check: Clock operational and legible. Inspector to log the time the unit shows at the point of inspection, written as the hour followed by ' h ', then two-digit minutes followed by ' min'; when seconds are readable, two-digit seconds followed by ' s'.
7 h 02 min 43 s
